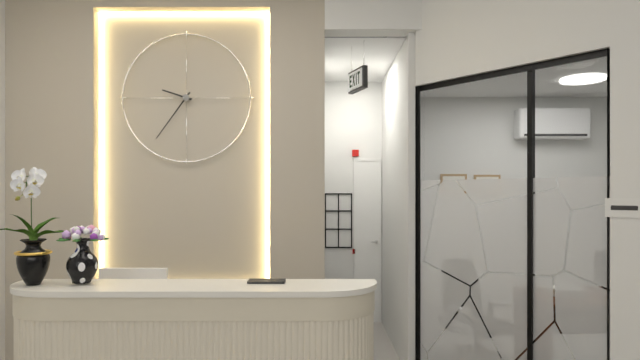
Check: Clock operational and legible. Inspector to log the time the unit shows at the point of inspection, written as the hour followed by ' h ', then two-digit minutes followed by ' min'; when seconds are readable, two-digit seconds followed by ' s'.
9 h 36 min
